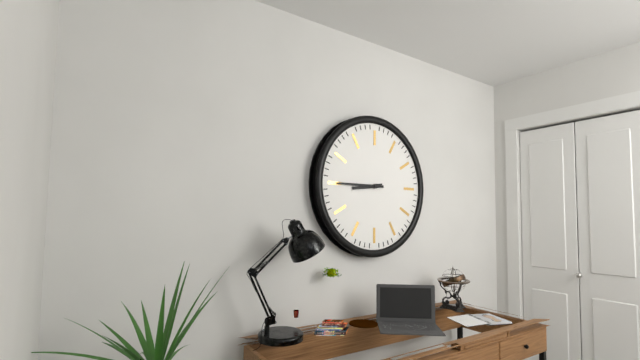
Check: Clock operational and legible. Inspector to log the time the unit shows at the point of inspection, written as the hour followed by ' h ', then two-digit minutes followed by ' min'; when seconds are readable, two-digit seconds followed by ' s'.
8 h 45 min
